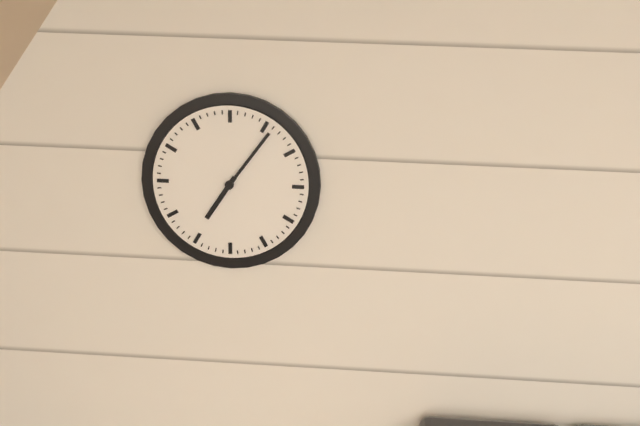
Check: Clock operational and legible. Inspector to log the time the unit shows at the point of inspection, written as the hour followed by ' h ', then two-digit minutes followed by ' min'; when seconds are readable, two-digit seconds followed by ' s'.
7 h 06 min
